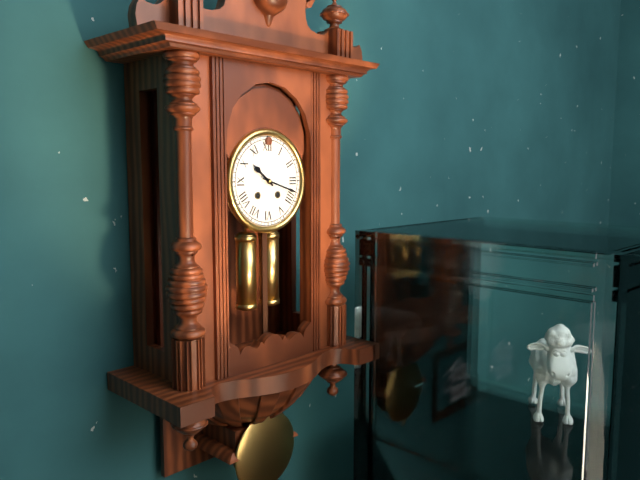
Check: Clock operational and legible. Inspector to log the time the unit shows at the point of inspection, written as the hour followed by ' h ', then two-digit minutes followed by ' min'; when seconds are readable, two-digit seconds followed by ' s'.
10 h 18 min
